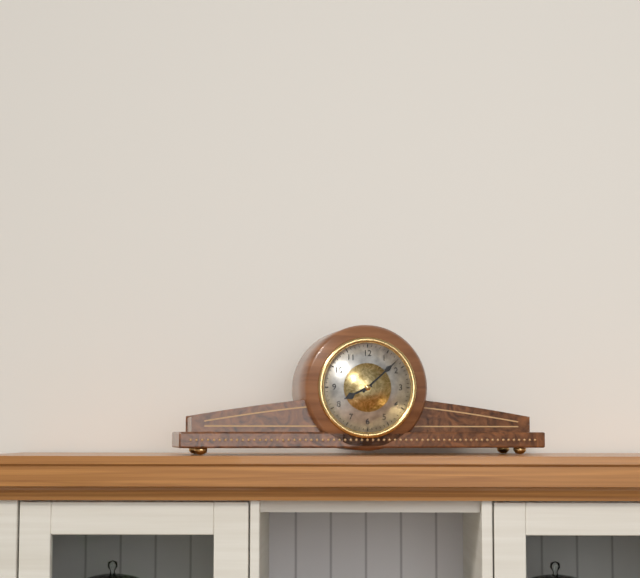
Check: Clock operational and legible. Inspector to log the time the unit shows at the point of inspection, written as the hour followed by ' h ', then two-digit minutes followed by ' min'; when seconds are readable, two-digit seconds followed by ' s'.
8 h 08 min
